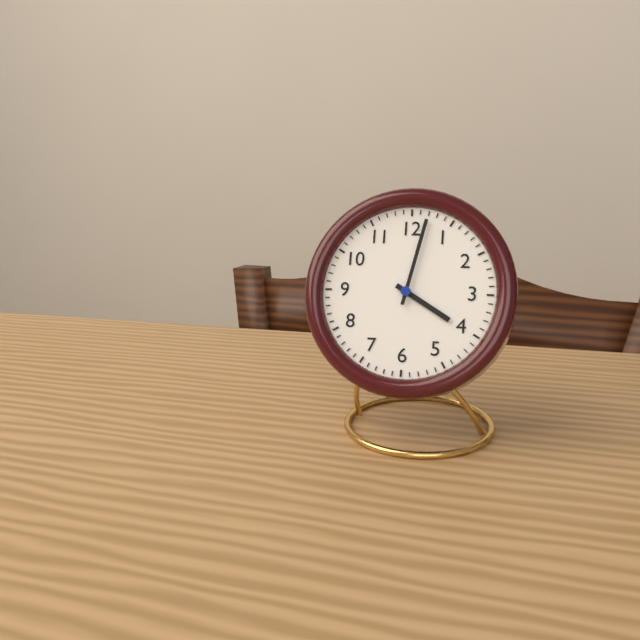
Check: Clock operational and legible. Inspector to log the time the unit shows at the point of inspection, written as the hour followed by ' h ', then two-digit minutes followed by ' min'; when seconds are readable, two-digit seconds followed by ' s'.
4 h 02 min
